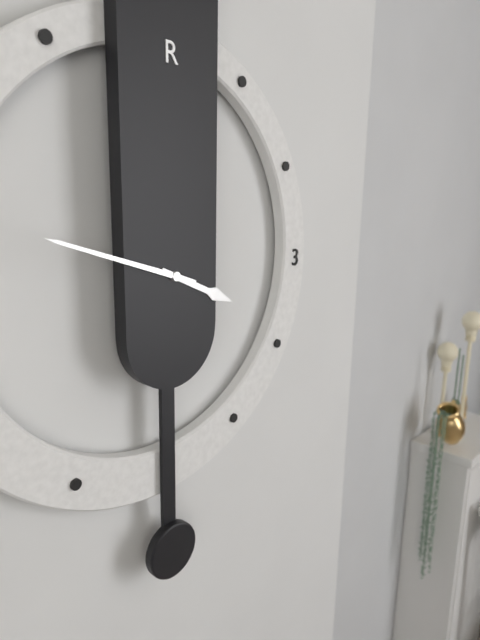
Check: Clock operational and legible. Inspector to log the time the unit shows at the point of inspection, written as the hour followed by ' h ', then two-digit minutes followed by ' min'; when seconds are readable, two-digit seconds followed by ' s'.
3 h 48 min
